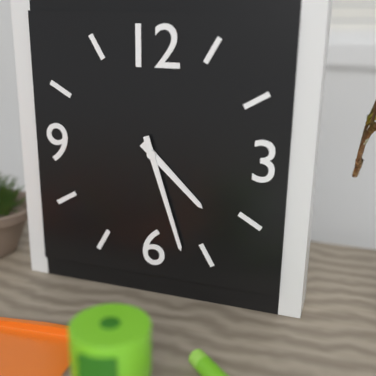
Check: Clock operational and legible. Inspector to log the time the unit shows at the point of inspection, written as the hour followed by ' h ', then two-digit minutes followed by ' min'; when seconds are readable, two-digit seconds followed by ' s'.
4 h 27 min
